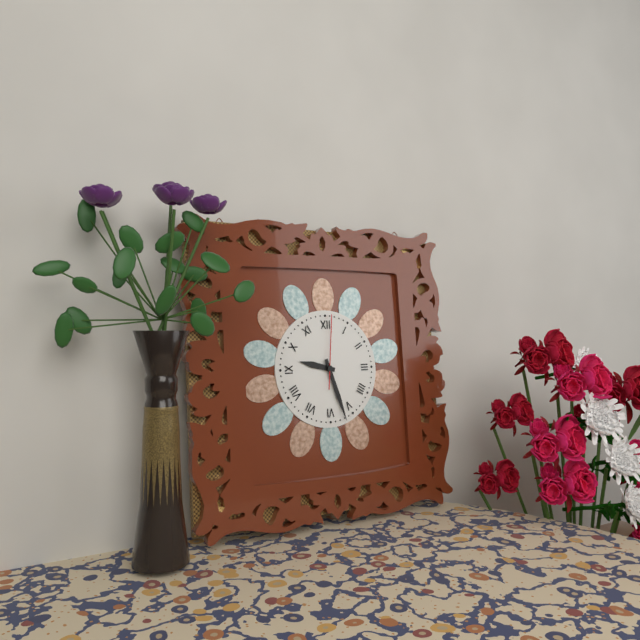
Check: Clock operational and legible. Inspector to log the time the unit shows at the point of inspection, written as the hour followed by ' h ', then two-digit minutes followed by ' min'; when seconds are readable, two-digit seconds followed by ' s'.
9 h 27 min 01 s
